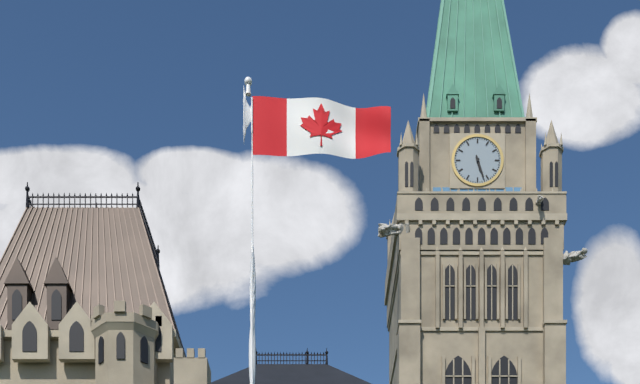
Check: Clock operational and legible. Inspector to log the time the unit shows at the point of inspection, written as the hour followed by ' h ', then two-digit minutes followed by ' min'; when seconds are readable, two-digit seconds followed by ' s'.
5 h 27 min
